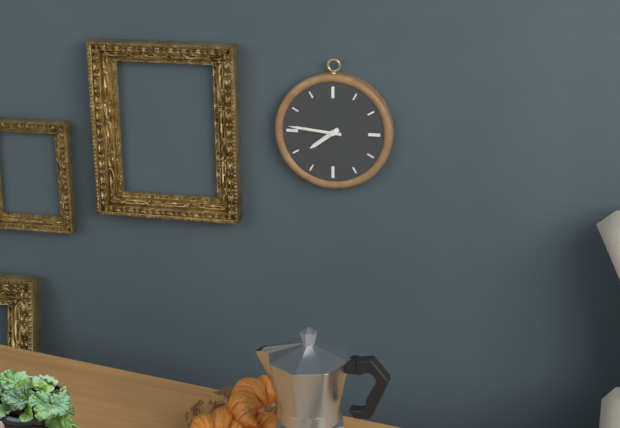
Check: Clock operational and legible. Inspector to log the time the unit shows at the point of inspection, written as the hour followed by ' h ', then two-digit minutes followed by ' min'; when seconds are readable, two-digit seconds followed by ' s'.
7 h 46 min
